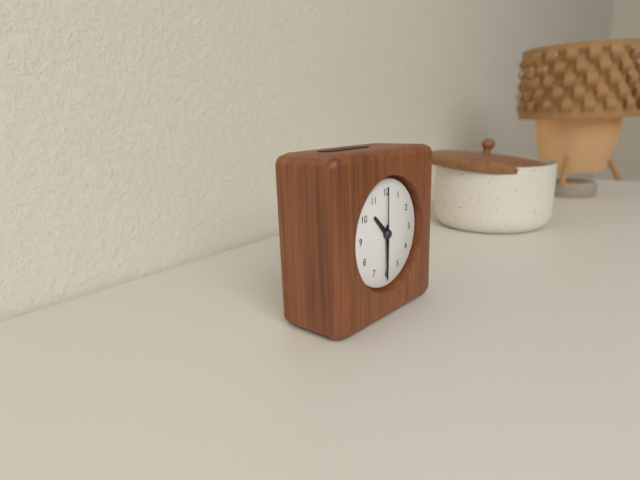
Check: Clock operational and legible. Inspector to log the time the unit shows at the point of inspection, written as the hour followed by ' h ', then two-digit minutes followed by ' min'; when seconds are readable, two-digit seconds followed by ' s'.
10 h 30 min 00 s
